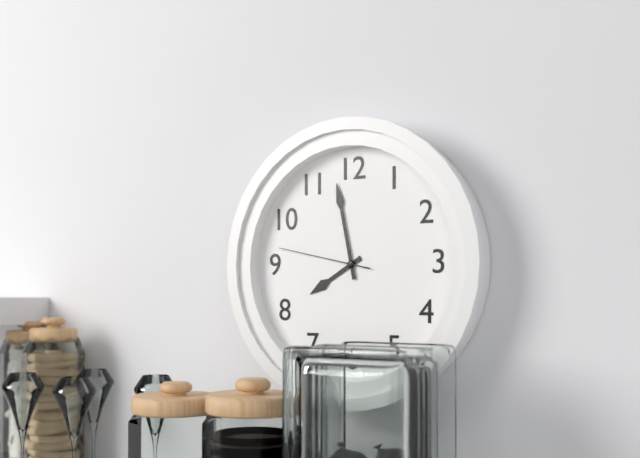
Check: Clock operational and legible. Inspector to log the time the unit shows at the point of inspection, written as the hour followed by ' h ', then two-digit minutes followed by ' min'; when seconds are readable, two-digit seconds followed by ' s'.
7 h 58 min 47 s
